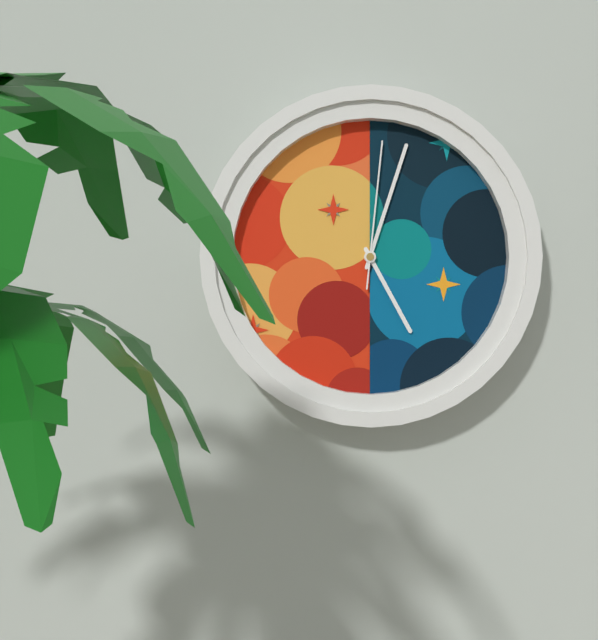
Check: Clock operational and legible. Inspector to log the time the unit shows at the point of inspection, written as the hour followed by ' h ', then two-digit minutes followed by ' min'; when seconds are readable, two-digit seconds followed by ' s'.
5 h 03 min 01 s
